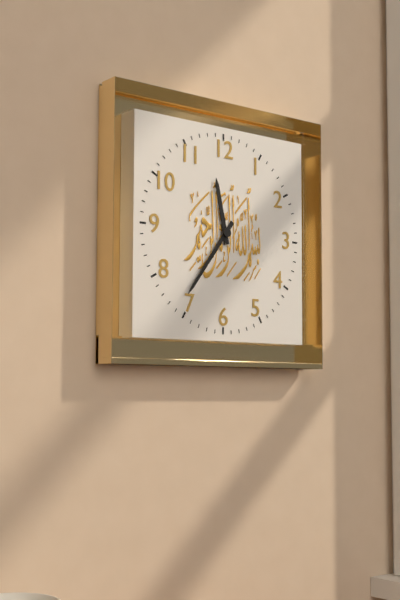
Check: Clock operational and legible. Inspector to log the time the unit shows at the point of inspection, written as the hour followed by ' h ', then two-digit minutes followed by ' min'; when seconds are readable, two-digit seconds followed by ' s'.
11 h 36 min
